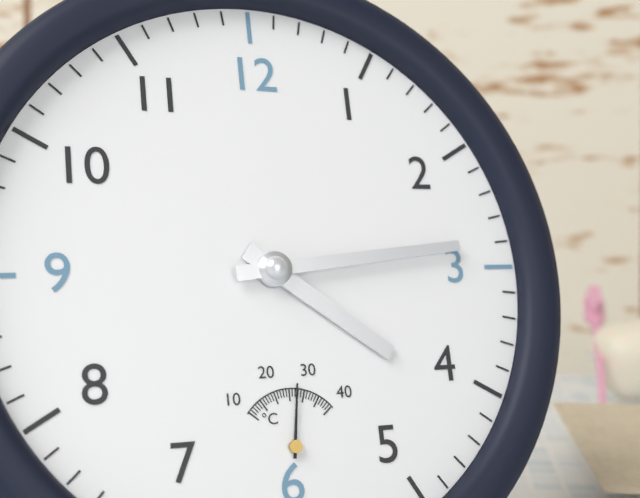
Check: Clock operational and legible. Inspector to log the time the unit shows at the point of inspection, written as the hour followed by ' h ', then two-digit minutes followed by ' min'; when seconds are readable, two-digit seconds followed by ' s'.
4 h 14 min
